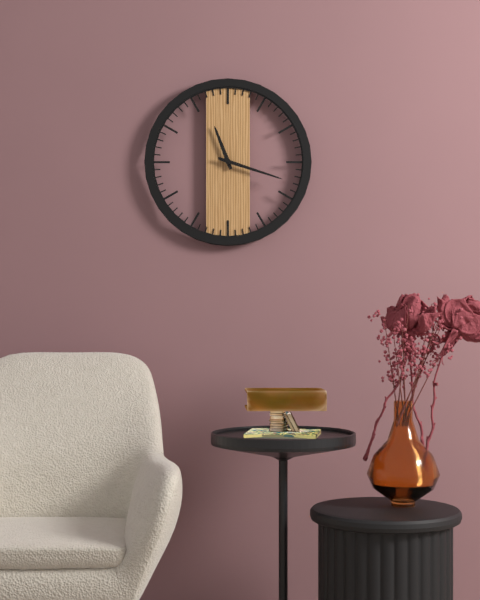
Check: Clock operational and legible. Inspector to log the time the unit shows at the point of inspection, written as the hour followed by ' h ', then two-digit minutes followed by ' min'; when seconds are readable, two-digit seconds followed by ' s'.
11 h 18 min
